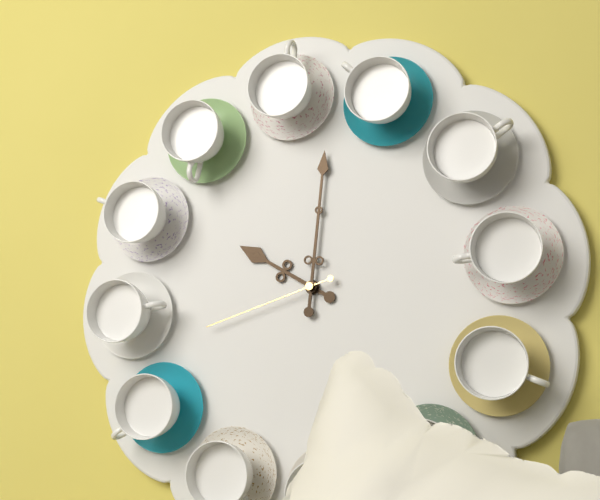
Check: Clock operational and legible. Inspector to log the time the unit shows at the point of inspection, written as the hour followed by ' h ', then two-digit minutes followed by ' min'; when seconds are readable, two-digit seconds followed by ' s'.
10 h 01 min 42 s
